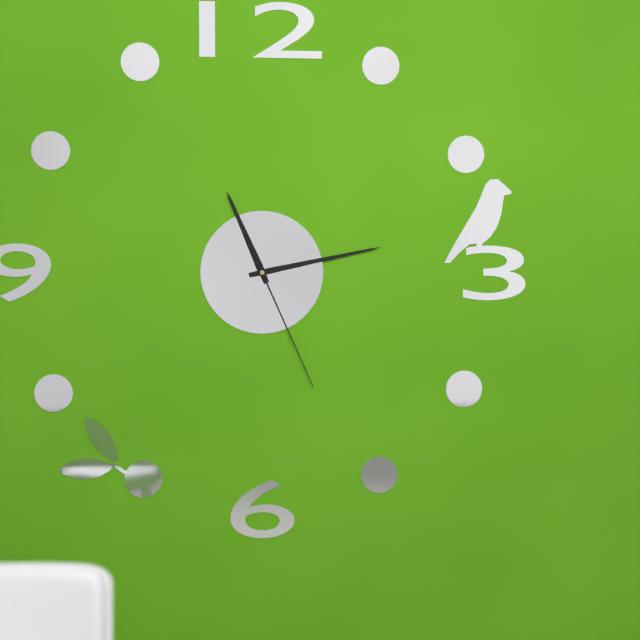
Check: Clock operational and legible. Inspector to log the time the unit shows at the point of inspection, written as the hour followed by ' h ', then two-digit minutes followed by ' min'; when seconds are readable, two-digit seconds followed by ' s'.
11 h 13 min 26 s
